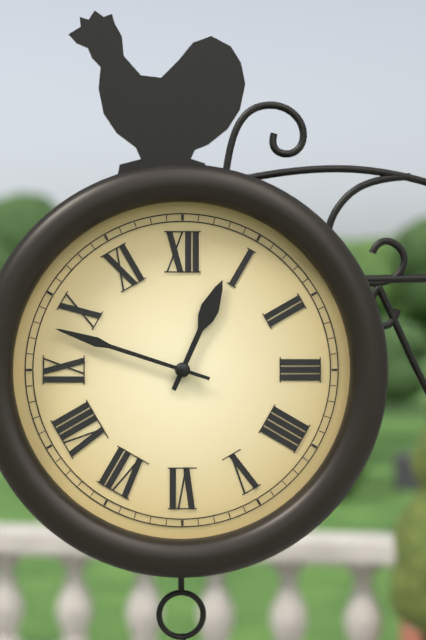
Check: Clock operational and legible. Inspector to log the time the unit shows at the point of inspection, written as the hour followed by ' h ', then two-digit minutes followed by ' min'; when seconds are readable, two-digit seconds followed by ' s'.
12 h 48 min
